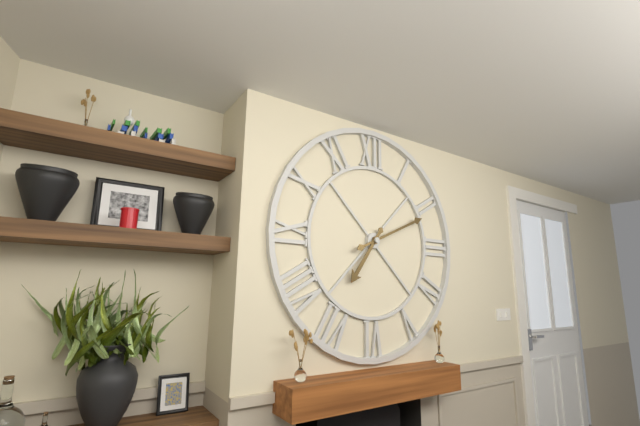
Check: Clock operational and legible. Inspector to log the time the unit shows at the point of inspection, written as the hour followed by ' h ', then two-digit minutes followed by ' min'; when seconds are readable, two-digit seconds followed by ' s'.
7 h 11 min
